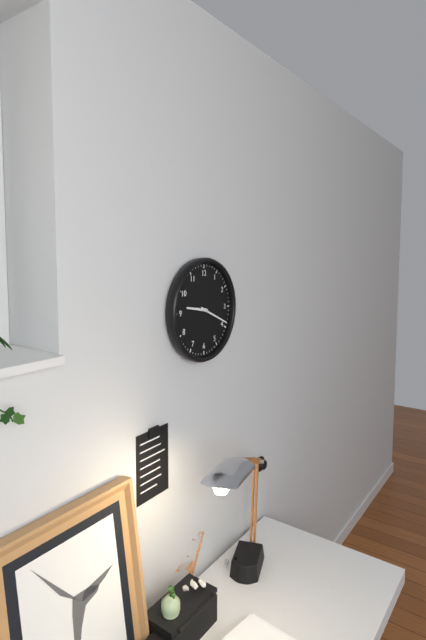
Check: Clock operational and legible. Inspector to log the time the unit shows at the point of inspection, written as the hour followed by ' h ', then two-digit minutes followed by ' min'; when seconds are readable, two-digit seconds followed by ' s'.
9 h 19 min
